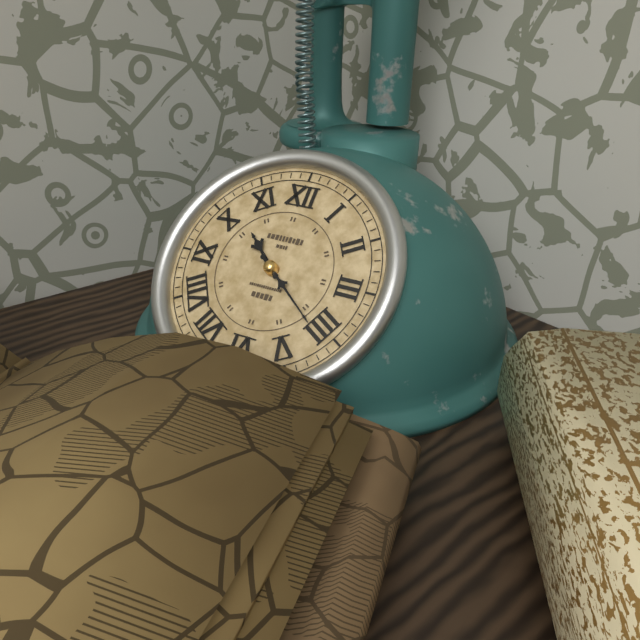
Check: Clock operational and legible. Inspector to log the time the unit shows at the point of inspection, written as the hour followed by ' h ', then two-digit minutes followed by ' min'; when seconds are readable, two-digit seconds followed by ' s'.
10 h 21 min
